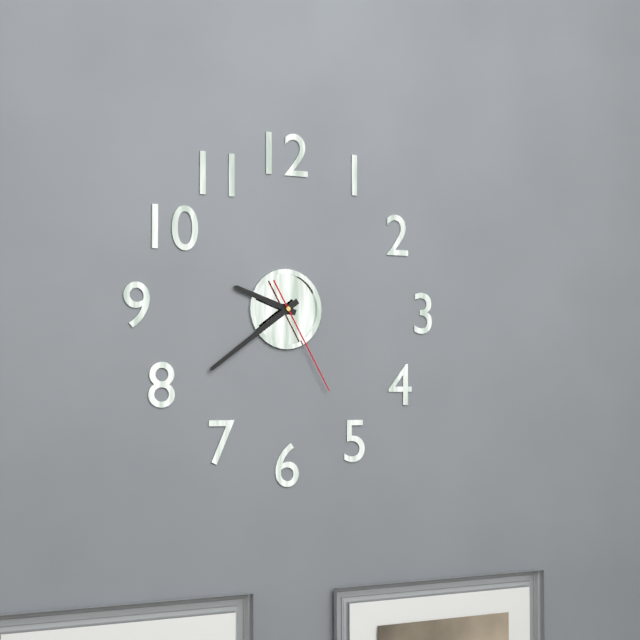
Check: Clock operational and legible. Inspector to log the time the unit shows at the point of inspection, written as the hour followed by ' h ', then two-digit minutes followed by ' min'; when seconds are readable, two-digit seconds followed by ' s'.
9 h 39 min 25 s
